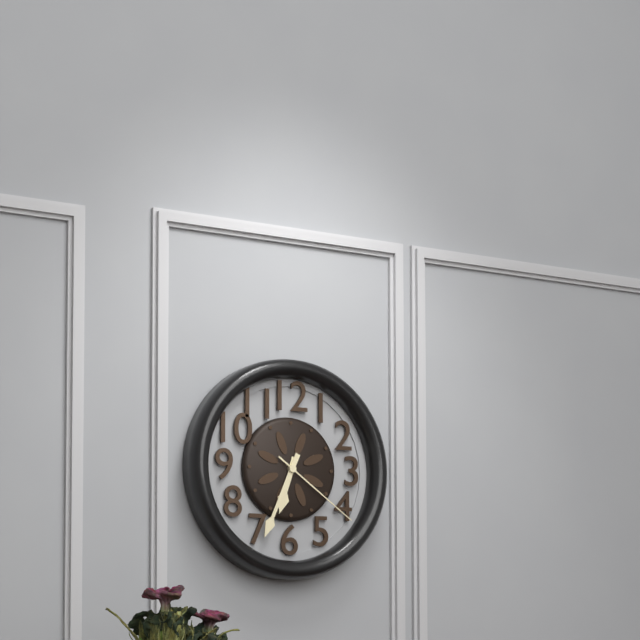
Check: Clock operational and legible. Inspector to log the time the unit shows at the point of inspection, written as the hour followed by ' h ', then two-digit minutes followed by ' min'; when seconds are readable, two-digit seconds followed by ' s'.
6 h 34 min 21 s
